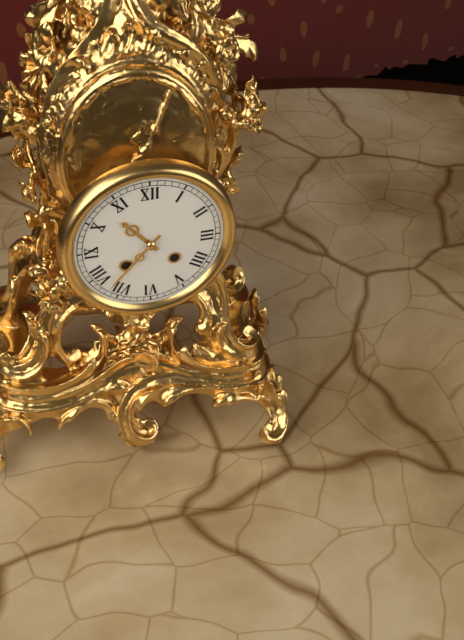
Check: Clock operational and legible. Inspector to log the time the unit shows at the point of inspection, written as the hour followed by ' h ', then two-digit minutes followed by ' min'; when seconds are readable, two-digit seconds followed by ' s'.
10 h 37 min
